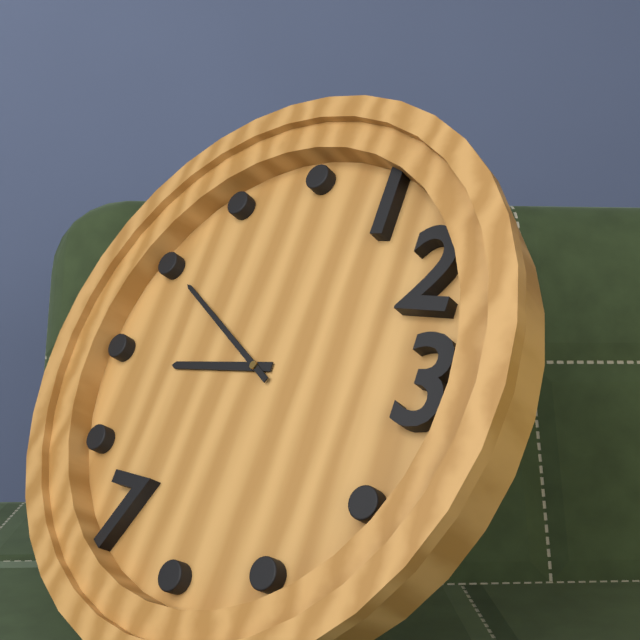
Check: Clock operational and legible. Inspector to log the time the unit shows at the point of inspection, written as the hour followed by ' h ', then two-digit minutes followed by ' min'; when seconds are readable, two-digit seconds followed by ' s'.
8 h 50 min
